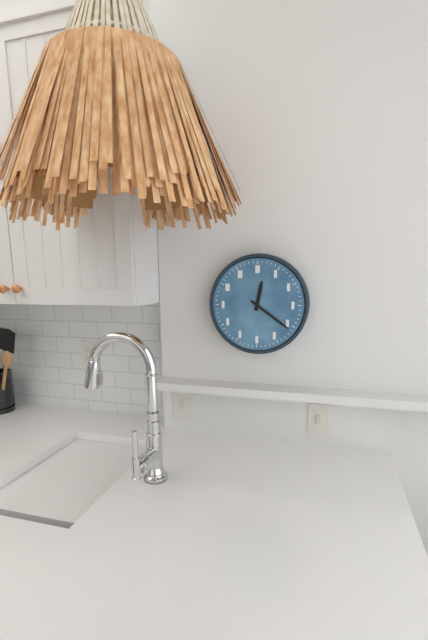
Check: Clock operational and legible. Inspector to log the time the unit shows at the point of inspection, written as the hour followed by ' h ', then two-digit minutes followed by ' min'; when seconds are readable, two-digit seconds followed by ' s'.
12 h 21 min
